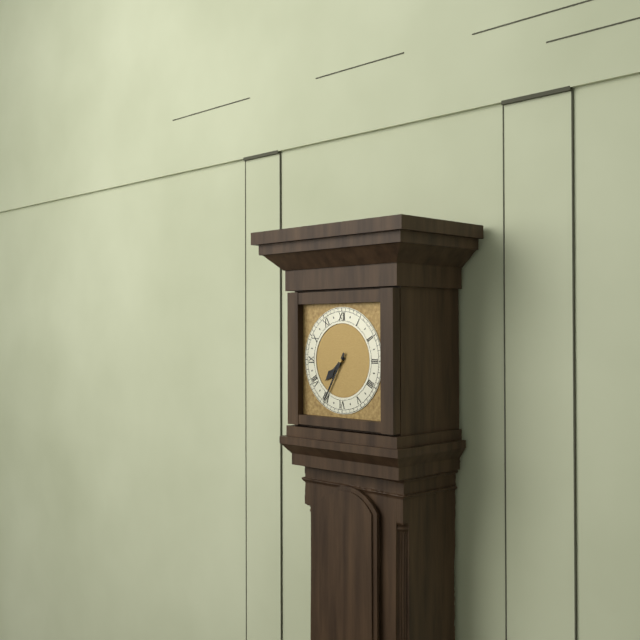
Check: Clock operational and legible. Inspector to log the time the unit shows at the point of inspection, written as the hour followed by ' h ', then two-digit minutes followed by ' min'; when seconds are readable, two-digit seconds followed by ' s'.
7 h 35 min
